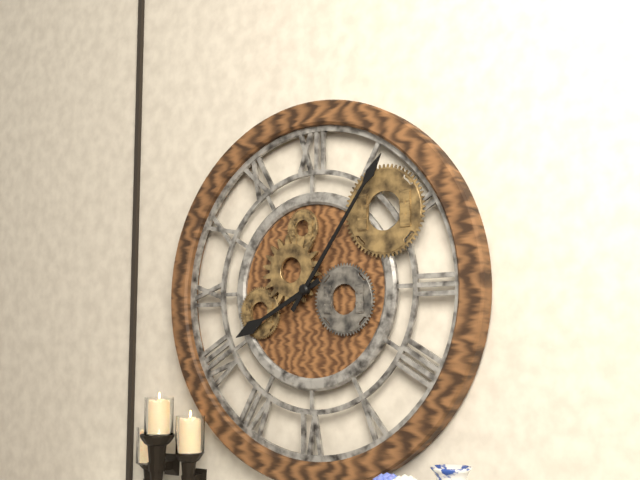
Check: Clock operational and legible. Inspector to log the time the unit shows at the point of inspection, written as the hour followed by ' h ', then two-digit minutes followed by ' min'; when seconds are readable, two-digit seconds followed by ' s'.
8 h 06 min
